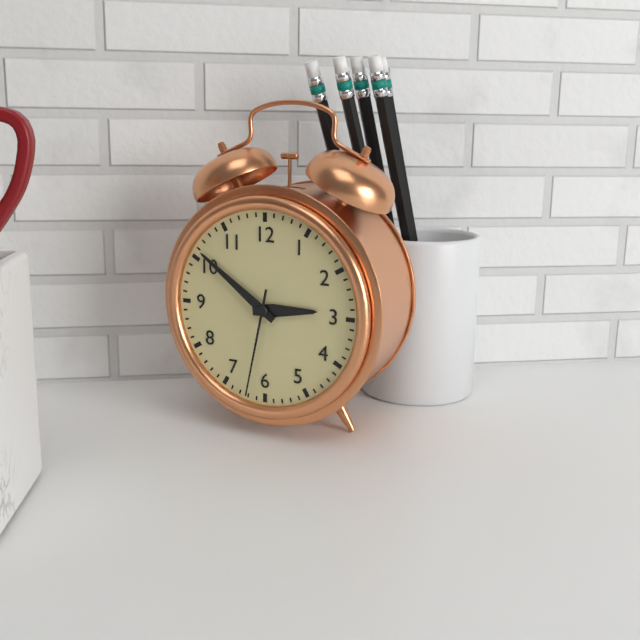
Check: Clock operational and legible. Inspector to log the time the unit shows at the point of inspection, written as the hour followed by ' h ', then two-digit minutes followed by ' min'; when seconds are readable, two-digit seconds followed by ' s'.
2 h 51 min 32 s
